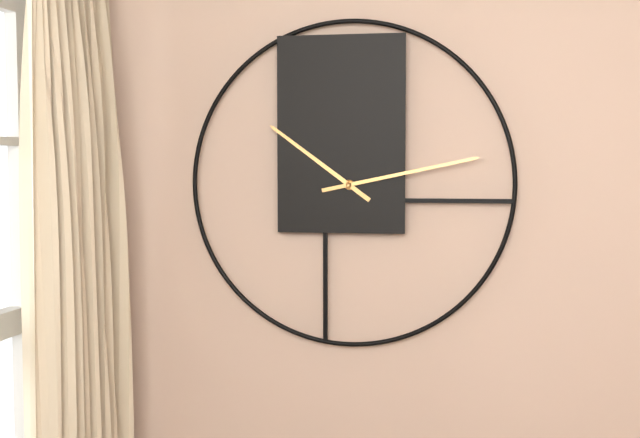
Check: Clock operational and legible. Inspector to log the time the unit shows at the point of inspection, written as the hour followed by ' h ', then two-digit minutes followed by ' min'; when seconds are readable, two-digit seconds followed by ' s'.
10 h 13 min
